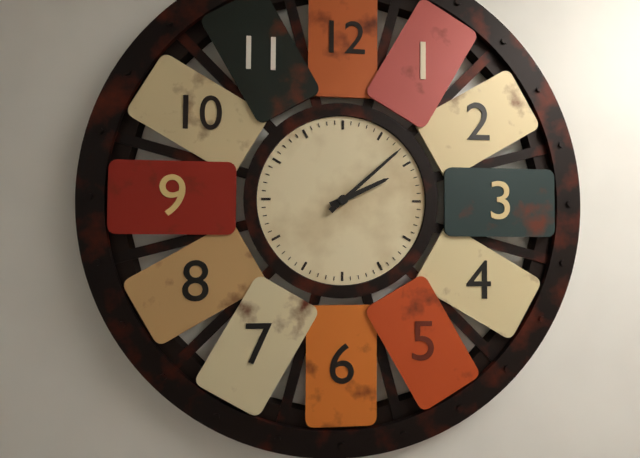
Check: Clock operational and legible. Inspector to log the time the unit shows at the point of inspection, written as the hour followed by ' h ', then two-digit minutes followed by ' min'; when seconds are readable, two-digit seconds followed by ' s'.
2 h 08 min
